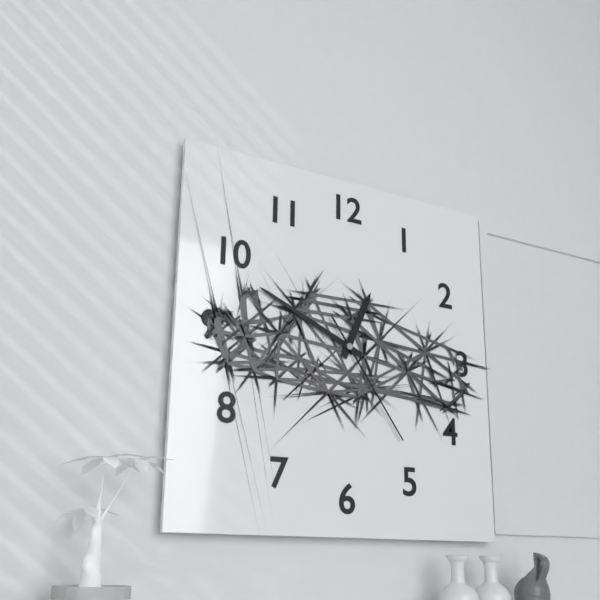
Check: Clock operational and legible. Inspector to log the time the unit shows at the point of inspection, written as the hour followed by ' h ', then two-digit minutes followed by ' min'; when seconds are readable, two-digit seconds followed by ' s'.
12 h 49 min 24 s
